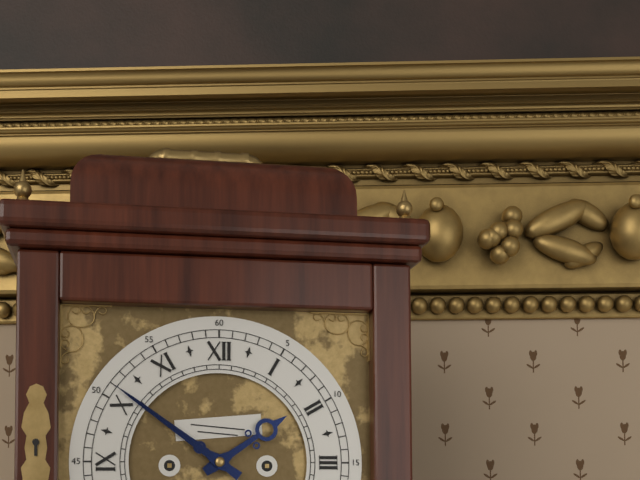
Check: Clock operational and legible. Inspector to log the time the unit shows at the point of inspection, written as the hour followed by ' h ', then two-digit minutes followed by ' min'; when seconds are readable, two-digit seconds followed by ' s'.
1 h 51 min
